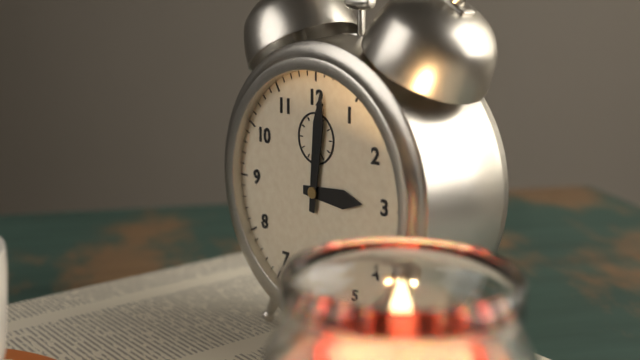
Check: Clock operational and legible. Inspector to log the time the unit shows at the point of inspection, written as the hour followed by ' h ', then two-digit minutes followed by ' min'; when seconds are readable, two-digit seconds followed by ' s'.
3 h 01 min
